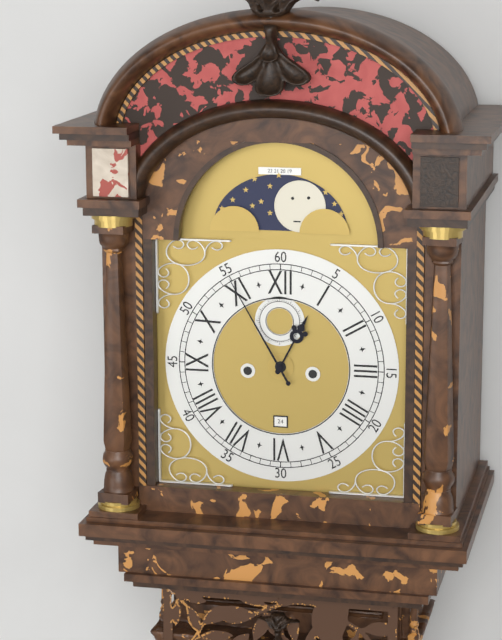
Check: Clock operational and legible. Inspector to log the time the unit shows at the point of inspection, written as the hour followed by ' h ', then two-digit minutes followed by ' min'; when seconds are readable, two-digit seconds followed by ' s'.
12 h 55 min
